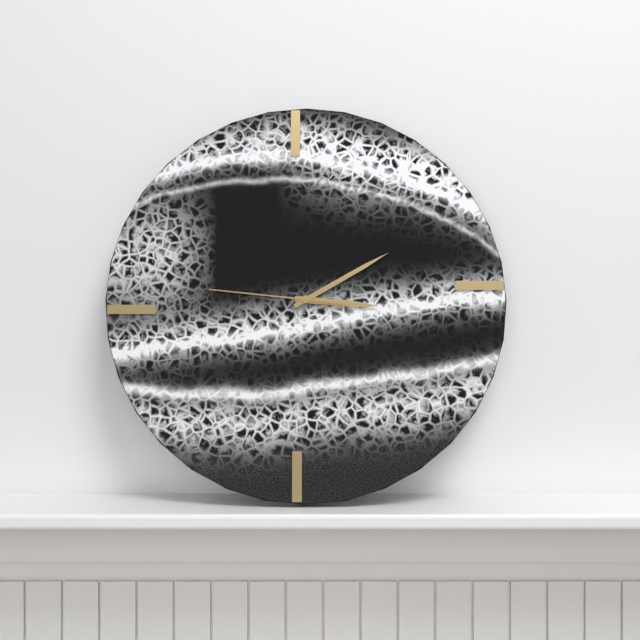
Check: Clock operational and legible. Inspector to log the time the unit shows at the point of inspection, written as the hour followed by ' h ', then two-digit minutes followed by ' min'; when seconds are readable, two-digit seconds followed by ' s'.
3 h 10 min 46 s
